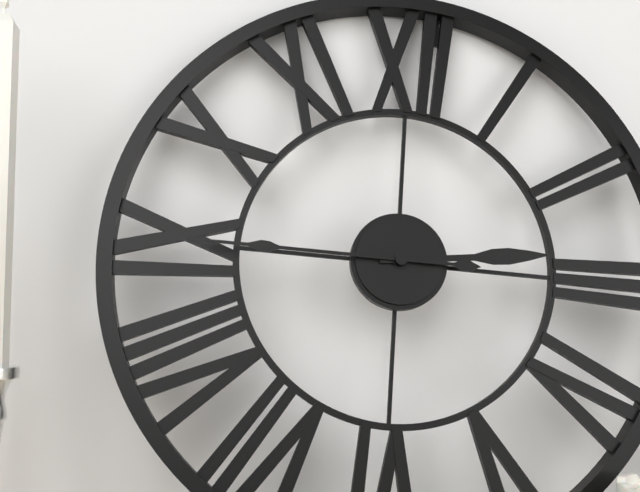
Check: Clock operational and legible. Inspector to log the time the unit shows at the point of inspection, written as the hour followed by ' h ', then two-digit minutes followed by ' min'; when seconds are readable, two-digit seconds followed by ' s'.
2 h 45 min
